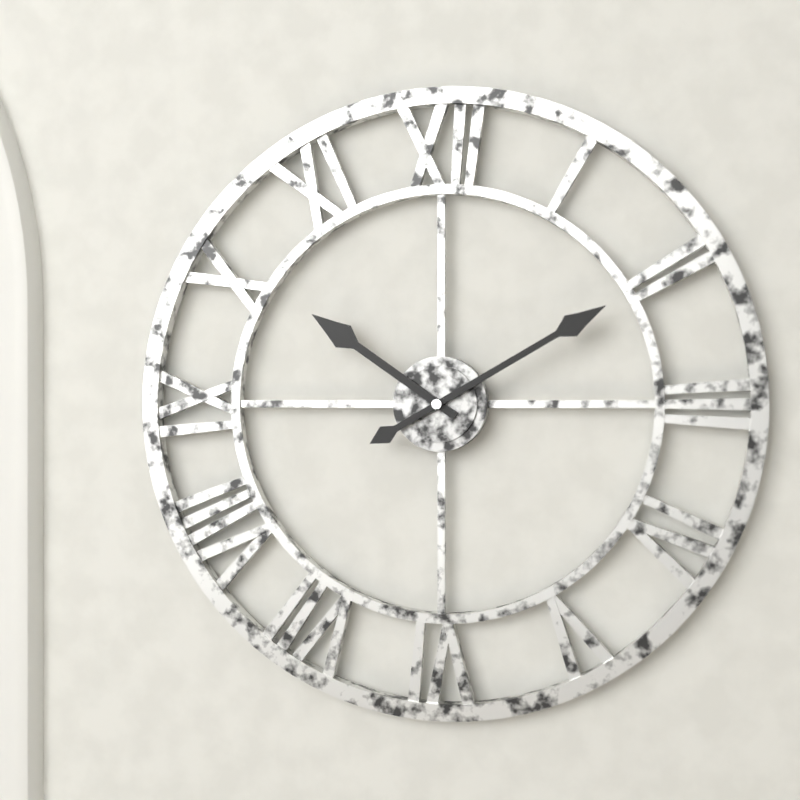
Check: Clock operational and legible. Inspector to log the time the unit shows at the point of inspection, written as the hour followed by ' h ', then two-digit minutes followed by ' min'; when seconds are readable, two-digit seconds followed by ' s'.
10 h 10 min
